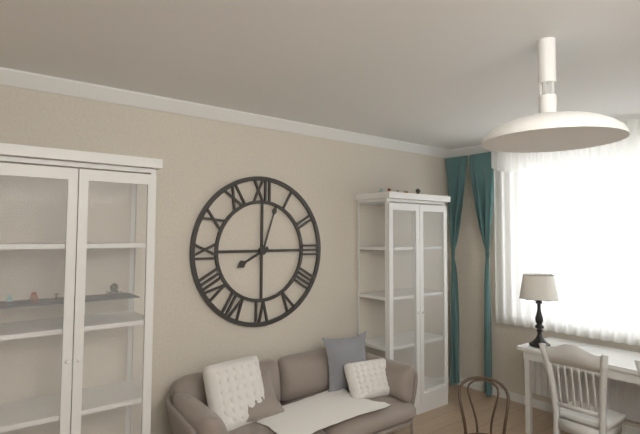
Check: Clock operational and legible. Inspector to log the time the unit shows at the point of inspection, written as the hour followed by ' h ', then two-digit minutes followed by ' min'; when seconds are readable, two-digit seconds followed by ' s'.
8 h 03 min
